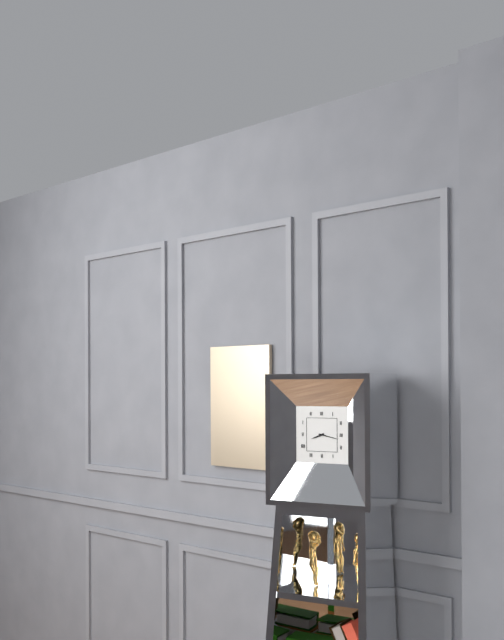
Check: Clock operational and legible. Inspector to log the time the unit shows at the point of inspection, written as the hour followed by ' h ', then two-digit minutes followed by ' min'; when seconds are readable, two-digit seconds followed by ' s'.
8 h 17 min
